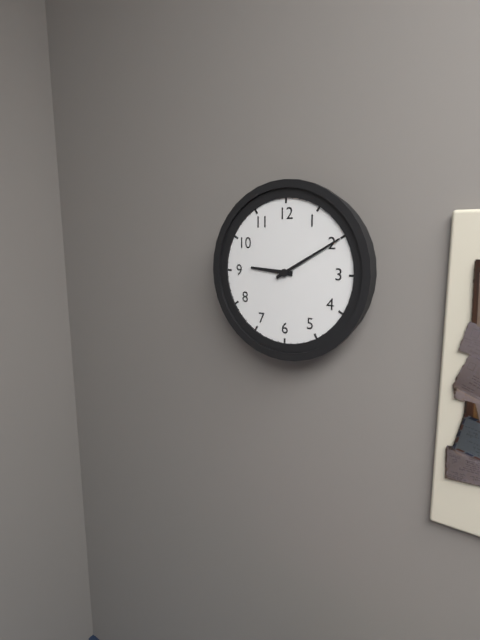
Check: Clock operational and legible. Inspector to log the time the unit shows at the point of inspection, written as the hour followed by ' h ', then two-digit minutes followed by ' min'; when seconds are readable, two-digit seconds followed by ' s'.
9 h 10 min
